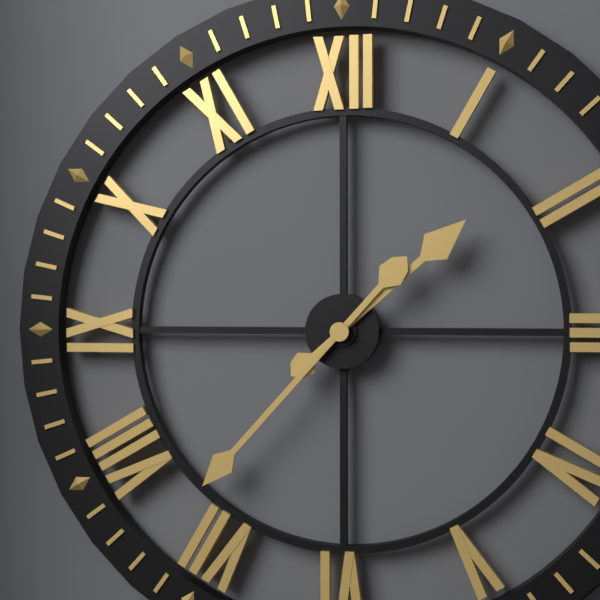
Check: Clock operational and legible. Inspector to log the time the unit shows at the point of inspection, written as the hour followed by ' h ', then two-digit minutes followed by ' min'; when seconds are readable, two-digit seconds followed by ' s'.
1 h 37 min
